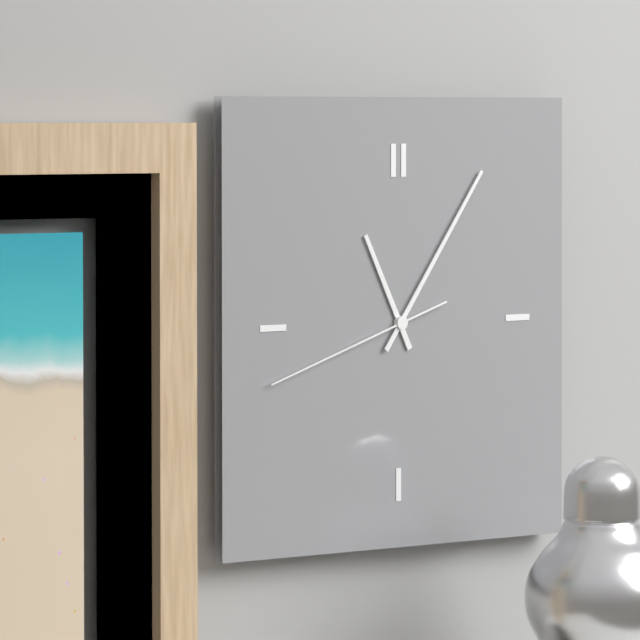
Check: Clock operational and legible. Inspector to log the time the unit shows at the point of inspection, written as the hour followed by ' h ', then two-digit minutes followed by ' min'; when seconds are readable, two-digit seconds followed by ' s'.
11 h 06 min 42 s
